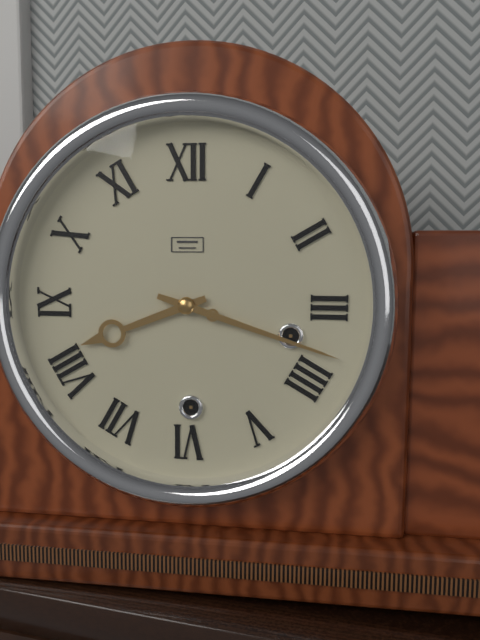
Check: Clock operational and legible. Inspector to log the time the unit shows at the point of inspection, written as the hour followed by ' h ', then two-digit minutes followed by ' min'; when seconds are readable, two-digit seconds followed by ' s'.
8 h 18 min
